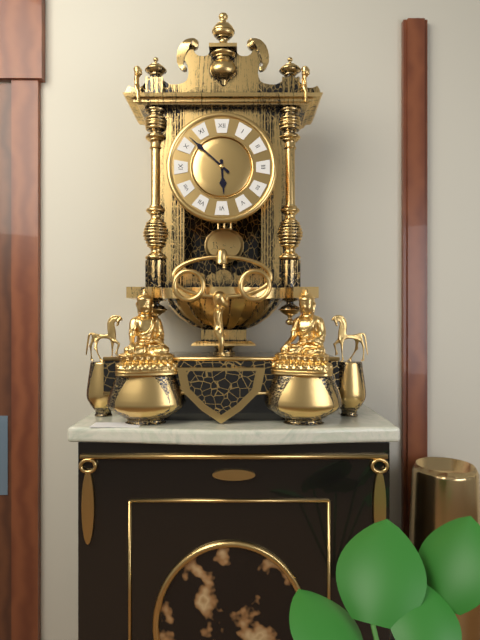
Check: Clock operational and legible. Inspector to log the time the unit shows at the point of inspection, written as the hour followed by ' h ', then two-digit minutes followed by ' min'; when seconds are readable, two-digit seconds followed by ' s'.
5 h 52 min
